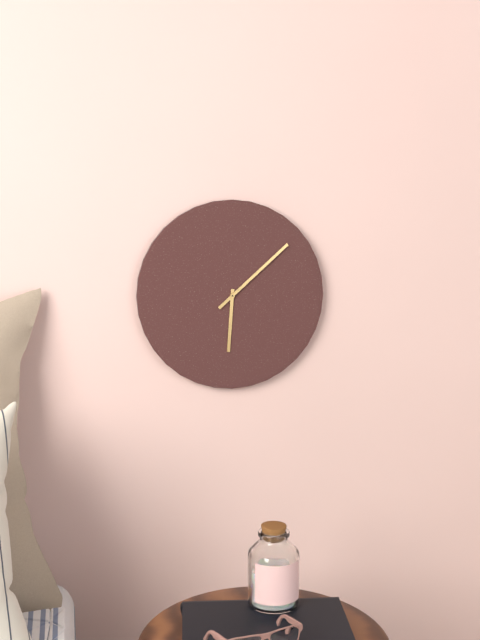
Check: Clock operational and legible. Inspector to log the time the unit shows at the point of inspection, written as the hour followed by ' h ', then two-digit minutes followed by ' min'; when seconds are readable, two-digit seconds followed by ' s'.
6 h 08 min
